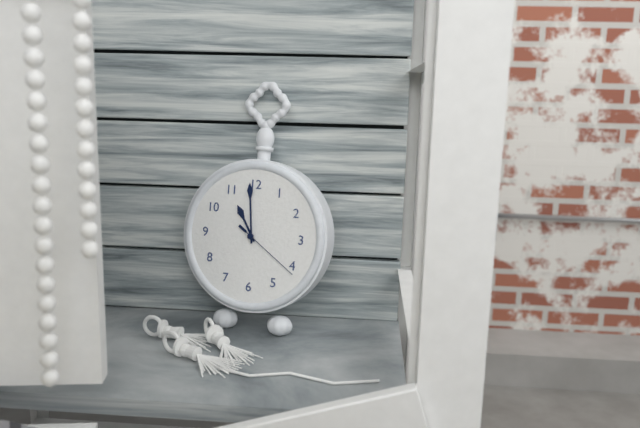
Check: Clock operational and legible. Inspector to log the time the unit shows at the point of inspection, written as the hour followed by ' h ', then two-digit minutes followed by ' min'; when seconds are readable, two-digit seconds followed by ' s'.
10 h 59 min 21 s
